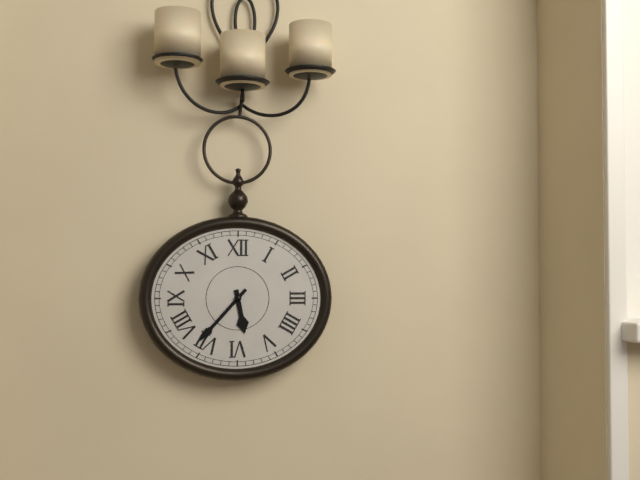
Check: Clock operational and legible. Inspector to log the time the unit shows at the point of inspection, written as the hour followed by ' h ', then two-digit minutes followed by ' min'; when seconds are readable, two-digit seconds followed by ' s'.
5 h 37 min
